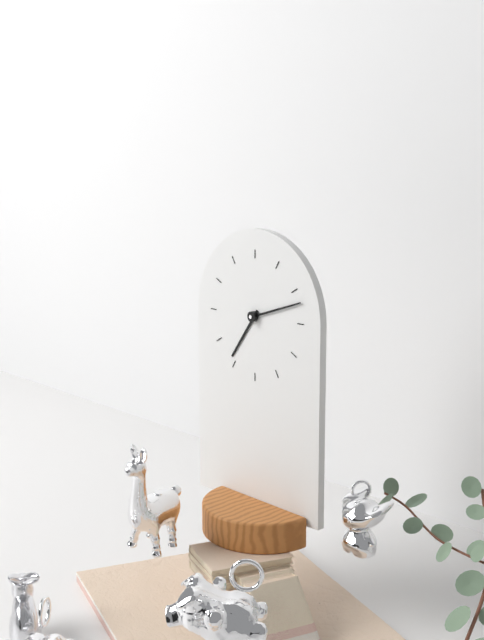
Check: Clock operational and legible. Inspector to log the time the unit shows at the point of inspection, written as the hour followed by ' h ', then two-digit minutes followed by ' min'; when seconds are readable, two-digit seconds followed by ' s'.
7 h 12 min
